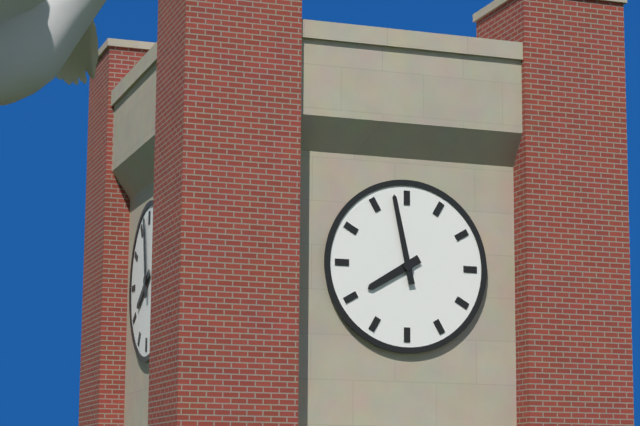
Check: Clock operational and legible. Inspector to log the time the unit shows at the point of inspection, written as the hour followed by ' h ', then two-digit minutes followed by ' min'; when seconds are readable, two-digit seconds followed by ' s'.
7 h 58 min
